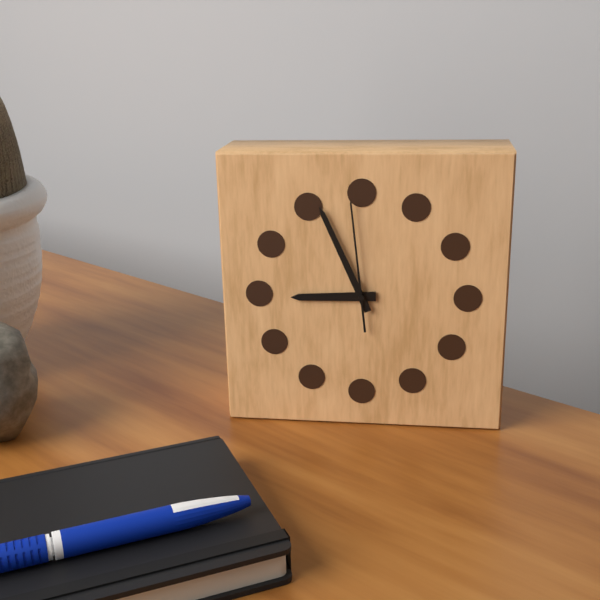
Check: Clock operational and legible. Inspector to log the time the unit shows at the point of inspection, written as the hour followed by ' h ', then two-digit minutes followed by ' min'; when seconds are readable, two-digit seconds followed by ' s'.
8 h 56 min 59 s
